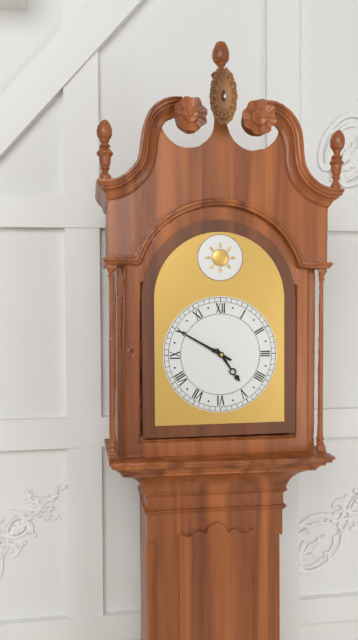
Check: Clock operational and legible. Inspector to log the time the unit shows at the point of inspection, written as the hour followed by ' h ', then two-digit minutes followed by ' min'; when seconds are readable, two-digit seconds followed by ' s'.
4 h 50 min
